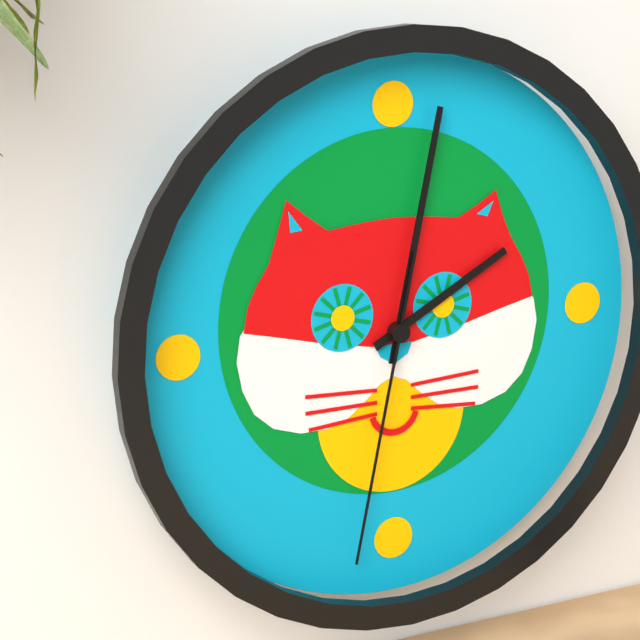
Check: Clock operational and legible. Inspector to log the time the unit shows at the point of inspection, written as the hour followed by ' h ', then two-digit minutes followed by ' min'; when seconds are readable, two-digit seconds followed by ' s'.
2 h 02 min 32 s
